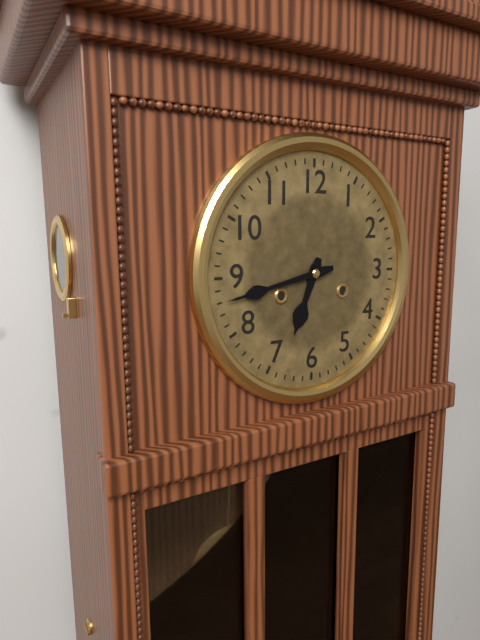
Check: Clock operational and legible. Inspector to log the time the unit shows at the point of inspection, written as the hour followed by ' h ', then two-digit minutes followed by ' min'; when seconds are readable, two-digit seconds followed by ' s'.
6 h 43 min
